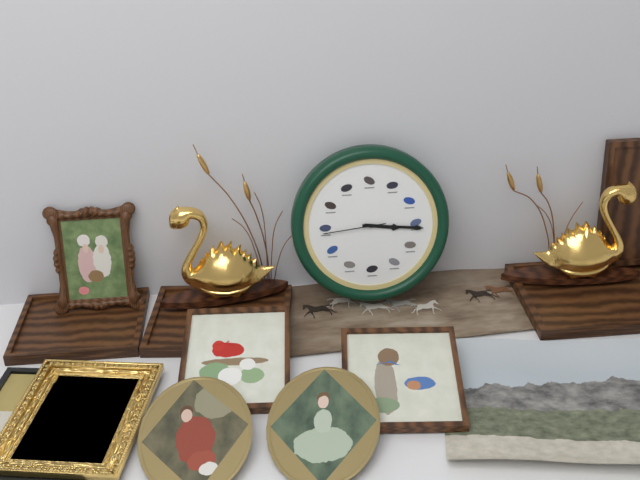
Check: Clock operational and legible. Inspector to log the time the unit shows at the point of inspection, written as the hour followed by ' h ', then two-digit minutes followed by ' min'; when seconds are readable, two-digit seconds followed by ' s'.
3 h 16 min 44 s
